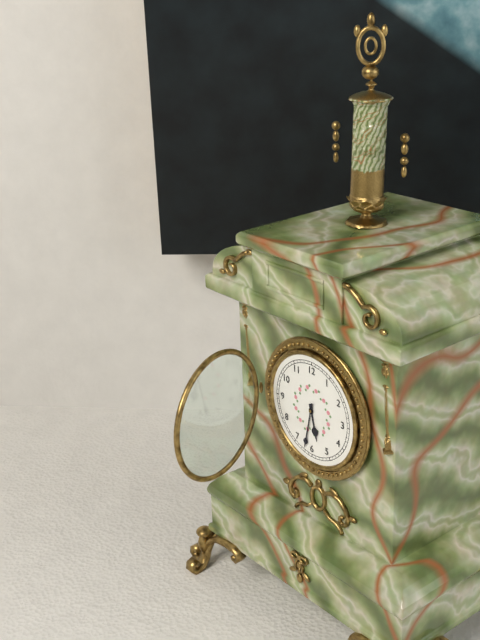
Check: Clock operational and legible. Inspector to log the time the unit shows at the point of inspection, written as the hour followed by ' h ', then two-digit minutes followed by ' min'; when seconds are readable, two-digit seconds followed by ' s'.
5 h 32 min
